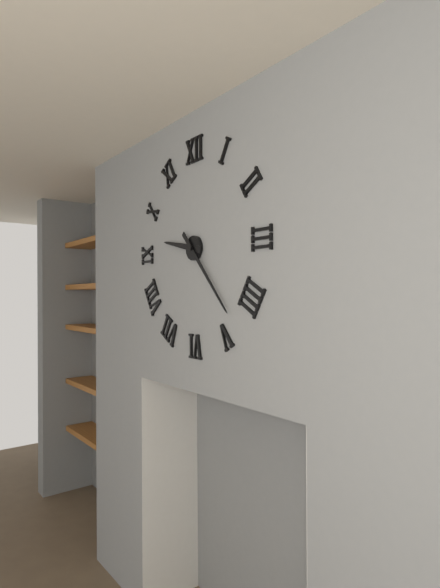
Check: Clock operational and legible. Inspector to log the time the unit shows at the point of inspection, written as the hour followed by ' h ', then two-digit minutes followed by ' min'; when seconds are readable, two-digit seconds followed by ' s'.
9 h 23 min
